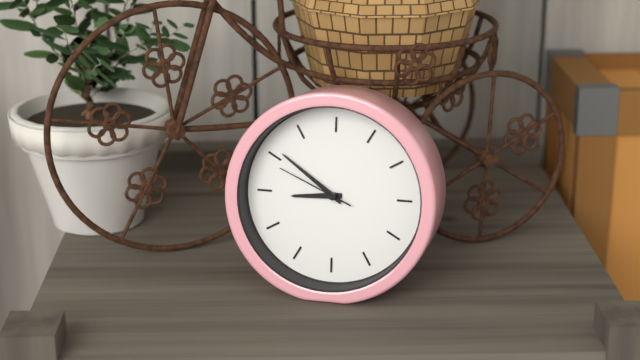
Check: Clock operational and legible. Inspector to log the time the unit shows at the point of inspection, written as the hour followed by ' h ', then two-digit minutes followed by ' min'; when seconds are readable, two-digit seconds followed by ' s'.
8 h 51 min 49 s
